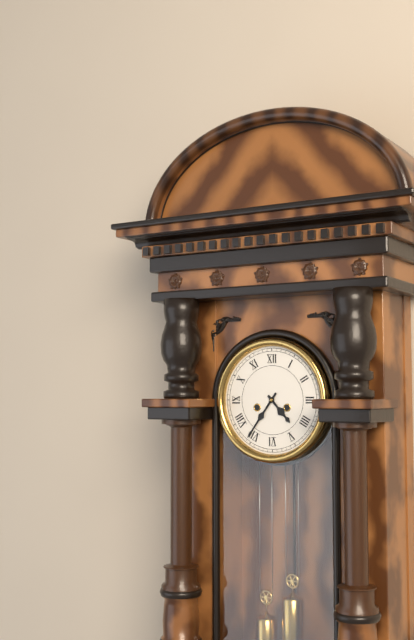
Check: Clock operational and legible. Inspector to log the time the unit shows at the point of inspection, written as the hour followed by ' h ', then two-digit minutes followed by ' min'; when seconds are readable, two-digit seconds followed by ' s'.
4 h 36 min
